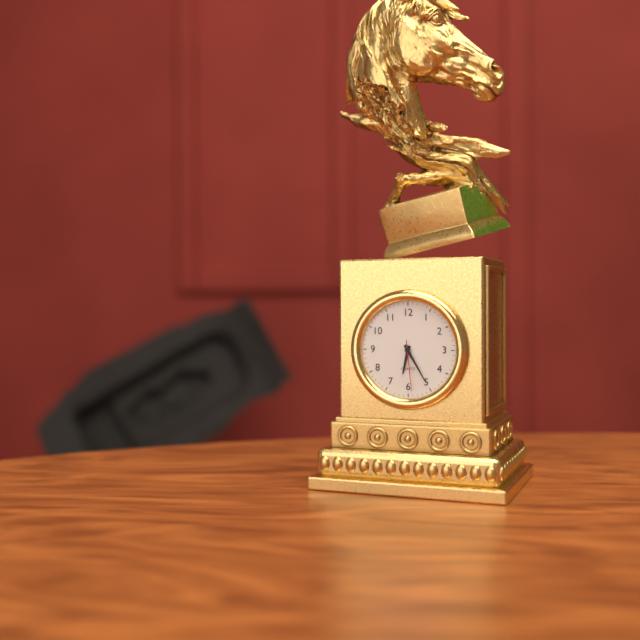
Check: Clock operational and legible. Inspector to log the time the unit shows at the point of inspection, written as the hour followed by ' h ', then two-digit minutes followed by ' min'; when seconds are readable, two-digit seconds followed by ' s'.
6 h 25 min 29 s
